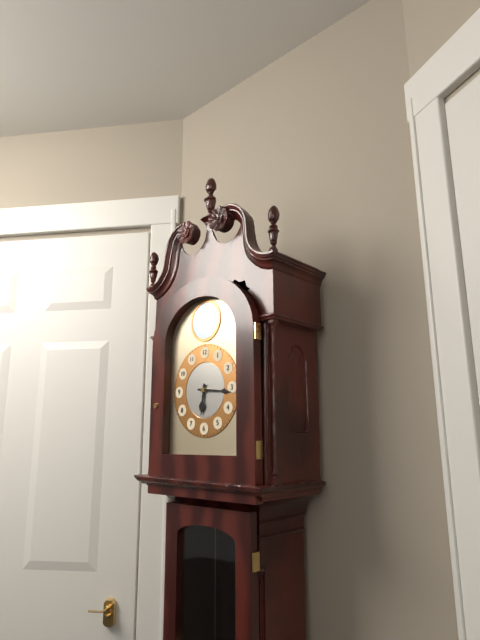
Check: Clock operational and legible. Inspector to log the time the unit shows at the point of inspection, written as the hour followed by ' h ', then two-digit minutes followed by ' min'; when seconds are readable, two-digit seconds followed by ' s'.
6 h 16 min
